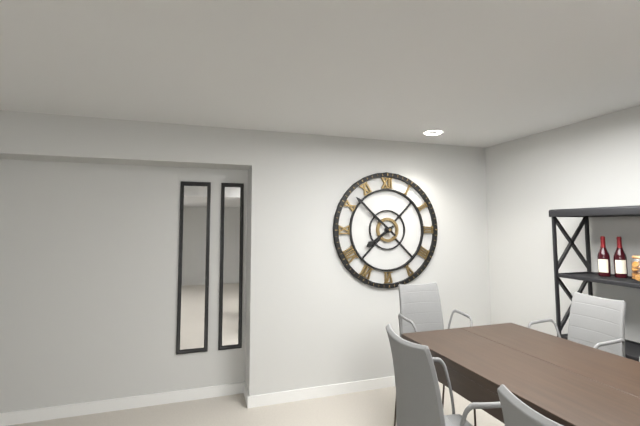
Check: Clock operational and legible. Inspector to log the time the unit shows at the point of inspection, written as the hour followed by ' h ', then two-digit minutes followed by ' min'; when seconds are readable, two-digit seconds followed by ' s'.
7 h 52 min
